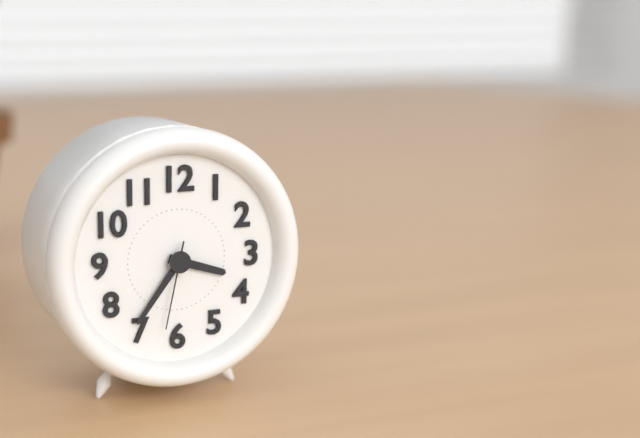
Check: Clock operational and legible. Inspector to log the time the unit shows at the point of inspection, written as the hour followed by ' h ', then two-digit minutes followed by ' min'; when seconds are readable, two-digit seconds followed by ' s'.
3 h 36 min 32 s
